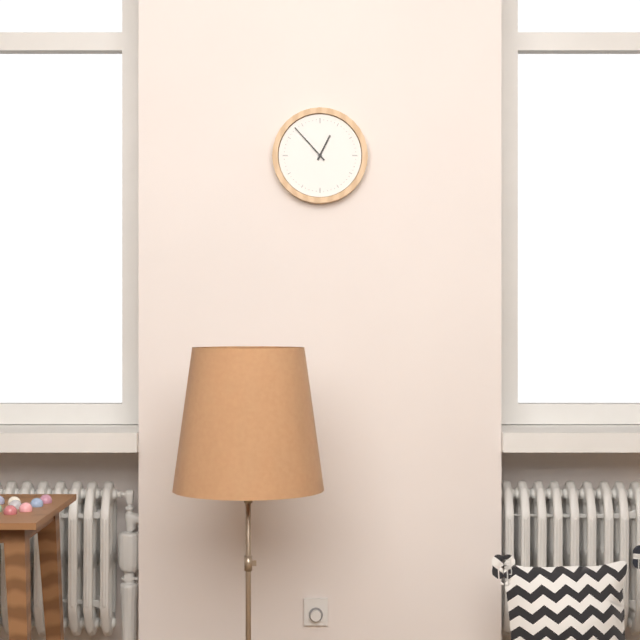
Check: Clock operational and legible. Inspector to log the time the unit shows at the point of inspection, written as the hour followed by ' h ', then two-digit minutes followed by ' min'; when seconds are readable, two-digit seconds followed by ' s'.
12 h 53 min
